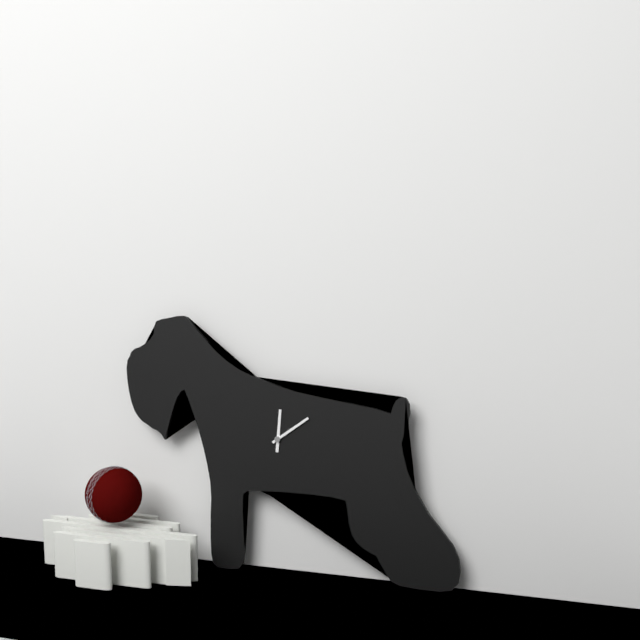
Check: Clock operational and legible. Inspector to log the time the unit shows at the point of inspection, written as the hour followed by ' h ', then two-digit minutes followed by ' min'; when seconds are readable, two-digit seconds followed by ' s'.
12 h 09 min
